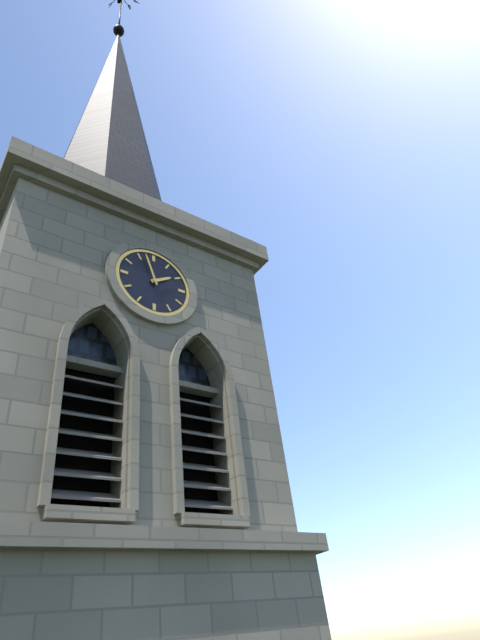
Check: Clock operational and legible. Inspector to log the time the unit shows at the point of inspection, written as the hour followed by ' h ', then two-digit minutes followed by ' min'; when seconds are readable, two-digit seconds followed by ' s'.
1 h 57 min
